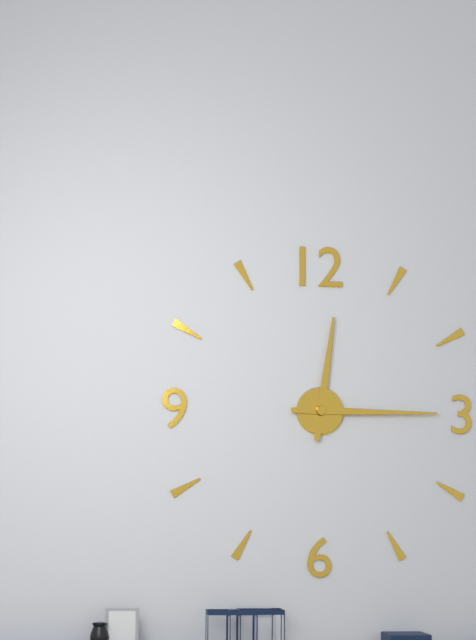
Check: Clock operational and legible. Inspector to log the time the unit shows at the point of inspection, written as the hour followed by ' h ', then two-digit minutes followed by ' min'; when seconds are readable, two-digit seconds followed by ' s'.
12 h 15 min
